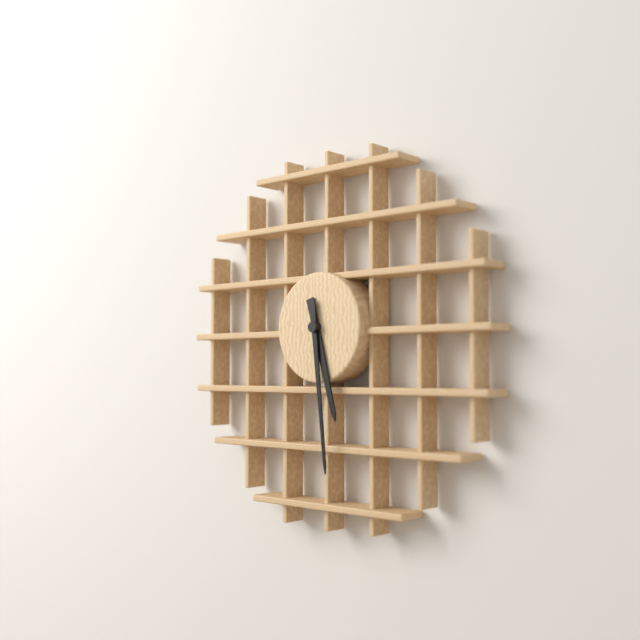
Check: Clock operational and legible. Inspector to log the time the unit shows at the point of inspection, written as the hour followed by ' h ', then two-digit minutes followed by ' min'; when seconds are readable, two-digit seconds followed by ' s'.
5 h 29 min
